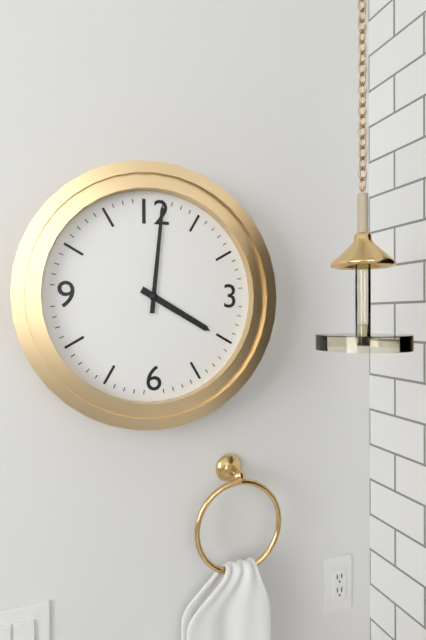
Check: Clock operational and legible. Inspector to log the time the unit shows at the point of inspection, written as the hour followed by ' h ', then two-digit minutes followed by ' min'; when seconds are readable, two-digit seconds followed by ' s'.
4 h 01 min
